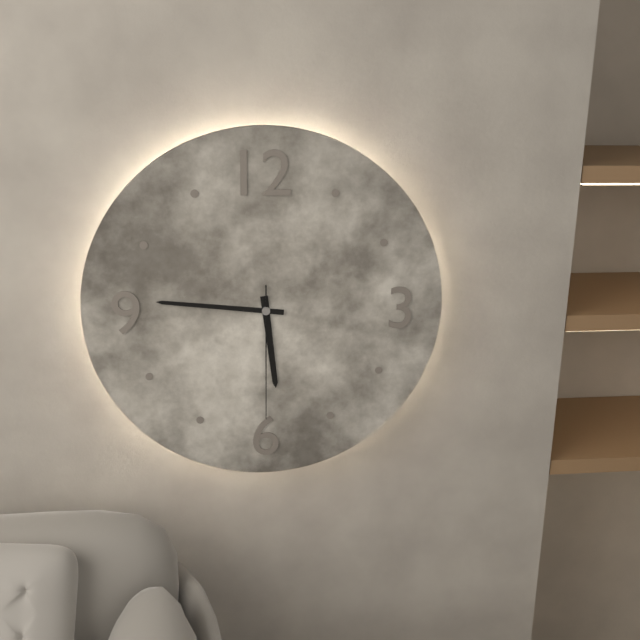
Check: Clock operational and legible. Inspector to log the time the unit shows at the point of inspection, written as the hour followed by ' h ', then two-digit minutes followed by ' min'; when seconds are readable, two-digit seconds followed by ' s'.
5 h 46 min 30 s
